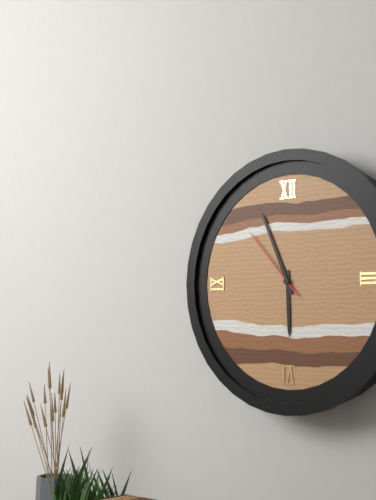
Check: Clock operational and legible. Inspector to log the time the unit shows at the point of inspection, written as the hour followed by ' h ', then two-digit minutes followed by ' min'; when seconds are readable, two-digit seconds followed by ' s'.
5 h 56 min 53 s
